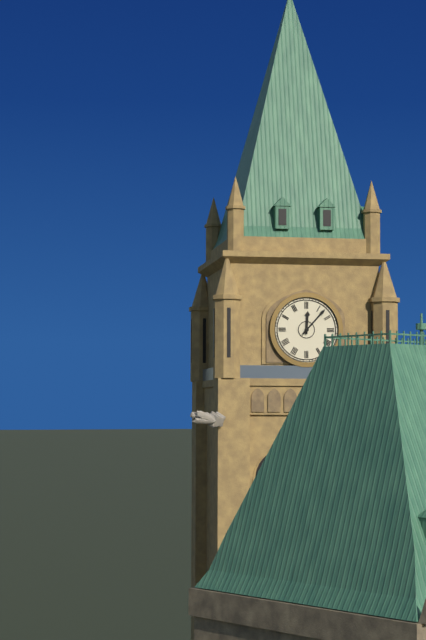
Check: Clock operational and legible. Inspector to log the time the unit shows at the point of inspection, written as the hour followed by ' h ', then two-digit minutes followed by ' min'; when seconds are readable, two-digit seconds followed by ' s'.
12 h 07 min
